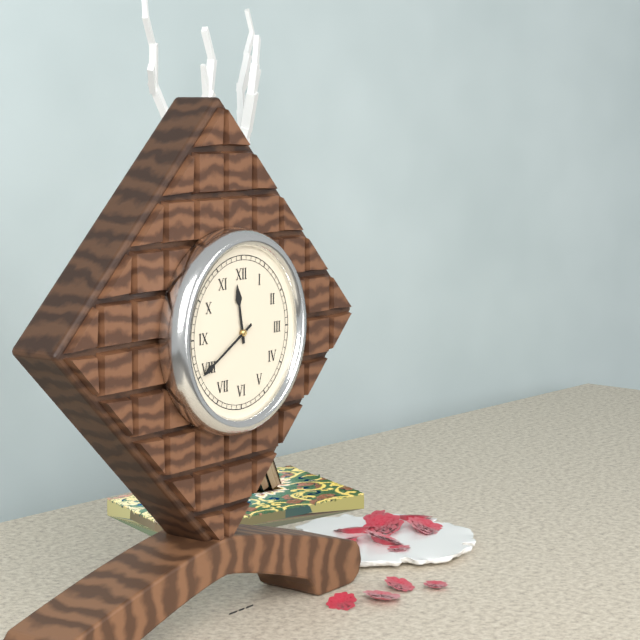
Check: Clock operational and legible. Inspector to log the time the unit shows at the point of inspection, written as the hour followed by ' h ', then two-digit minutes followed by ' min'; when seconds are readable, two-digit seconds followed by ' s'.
11 h 40 min
